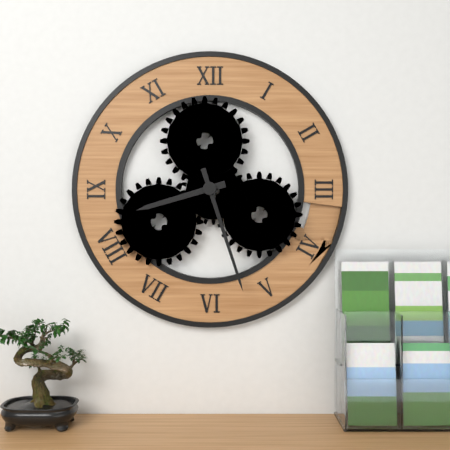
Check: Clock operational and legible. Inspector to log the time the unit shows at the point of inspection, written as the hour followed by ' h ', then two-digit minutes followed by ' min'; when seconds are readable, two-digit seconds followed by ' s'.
8 h 27 min
